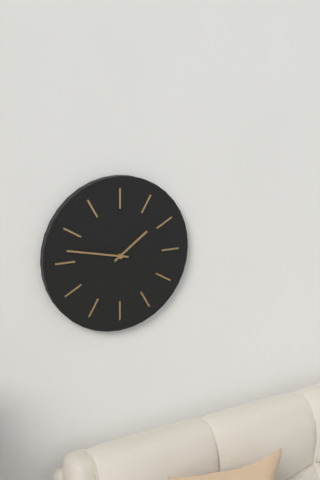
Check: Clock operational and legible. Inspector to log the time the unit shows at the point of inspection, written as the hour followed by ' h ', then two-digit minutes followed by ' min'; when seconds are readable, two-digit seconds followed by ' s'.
1 h 47 min
